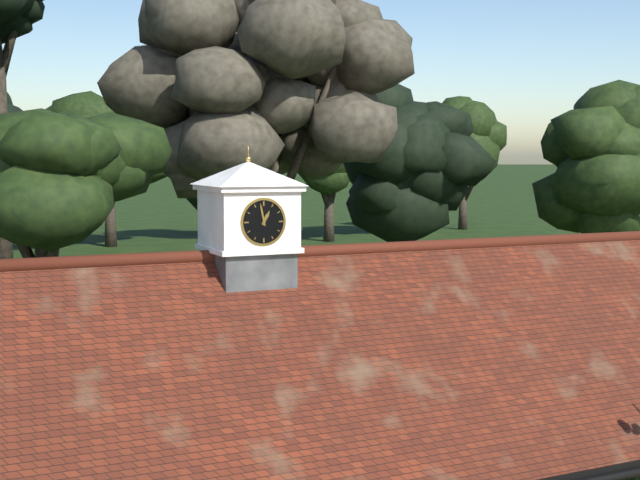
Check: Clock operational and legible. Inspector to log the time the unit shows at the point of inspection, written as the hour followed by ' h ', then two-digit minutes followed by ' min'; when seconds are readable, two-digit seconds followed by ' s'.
12 h 58 min
